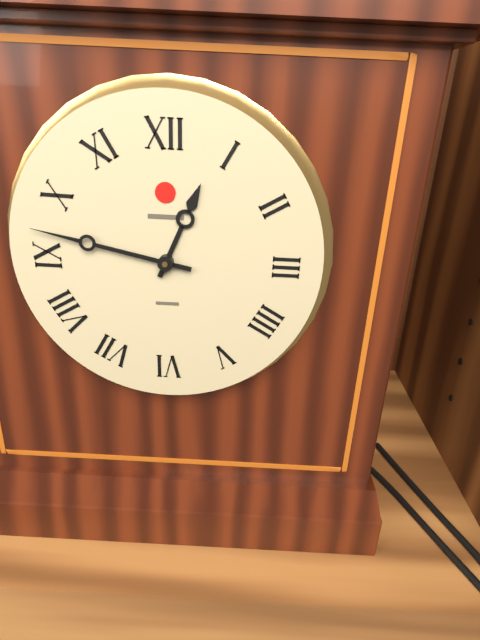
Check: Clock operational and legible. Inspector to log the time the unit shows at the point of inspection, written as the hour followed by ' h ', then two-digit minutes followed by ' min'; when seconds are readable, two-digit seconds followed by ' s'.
12 h 47 min
